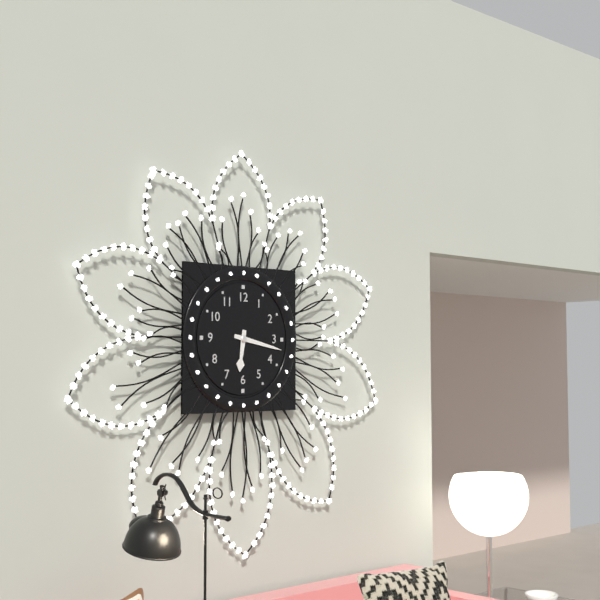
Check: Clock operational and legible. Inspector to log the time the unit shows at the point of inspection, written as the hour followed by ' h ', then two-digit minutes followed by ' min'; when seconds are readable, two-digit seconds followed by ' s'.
6 h 17 min
